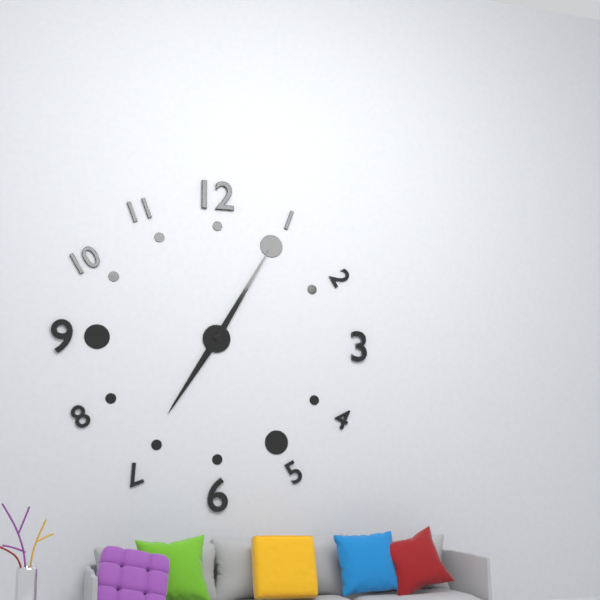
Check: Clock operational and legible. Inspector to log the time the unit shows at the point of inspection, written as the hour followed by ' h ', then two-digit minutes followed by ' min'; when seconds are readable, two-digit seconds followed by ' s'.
7 h 05 min
